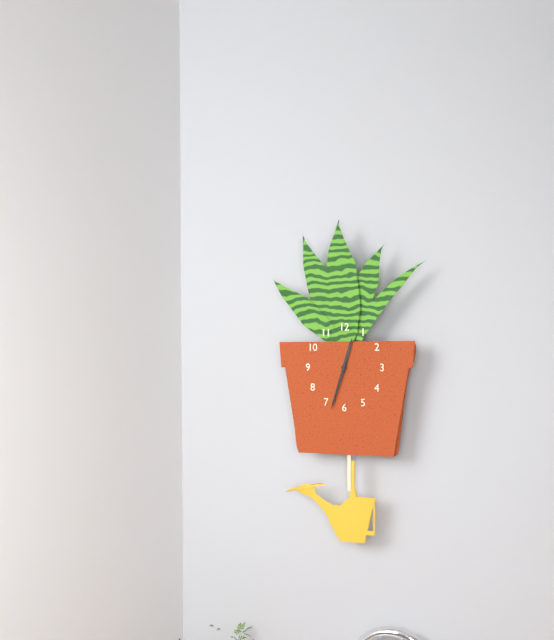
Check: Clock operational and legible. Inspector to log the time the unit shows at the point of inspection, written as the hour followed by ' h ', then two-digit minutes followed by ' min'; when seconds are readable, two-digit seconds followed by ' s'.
12 h 33 min
